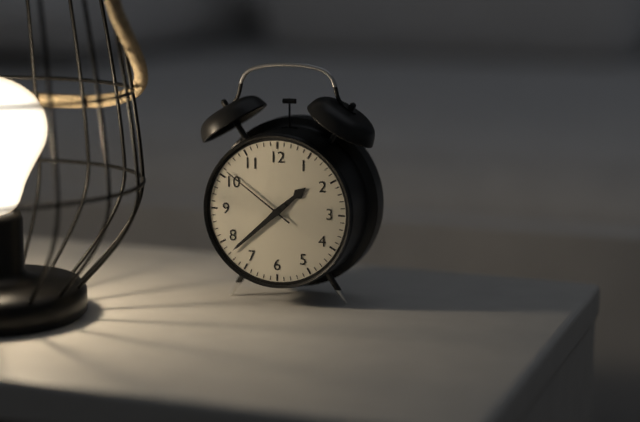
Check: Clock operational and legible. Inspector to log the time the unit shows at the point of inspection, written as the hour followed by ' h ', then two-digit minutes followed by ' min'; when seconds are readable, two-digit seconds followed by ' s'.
1 h 38 min 51 s
